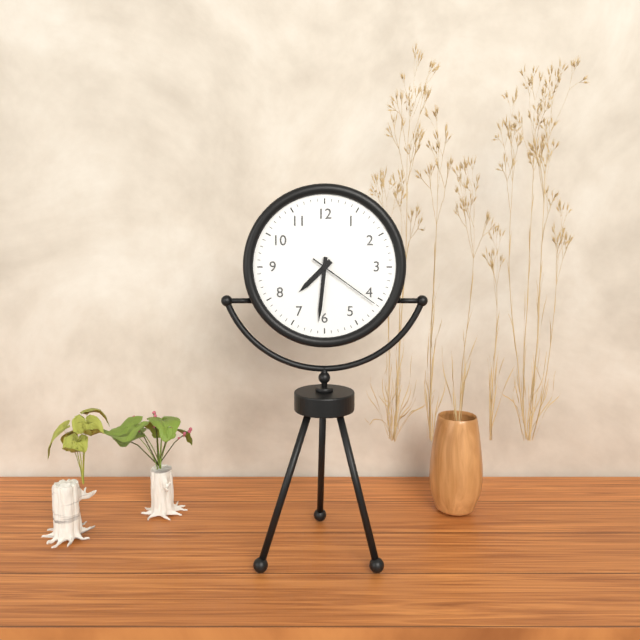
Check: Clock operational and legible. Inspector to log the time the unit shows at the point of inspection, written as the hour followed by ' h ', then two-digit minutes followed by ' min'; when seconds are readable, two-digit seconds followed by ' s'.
7 h 31 min 21 s
